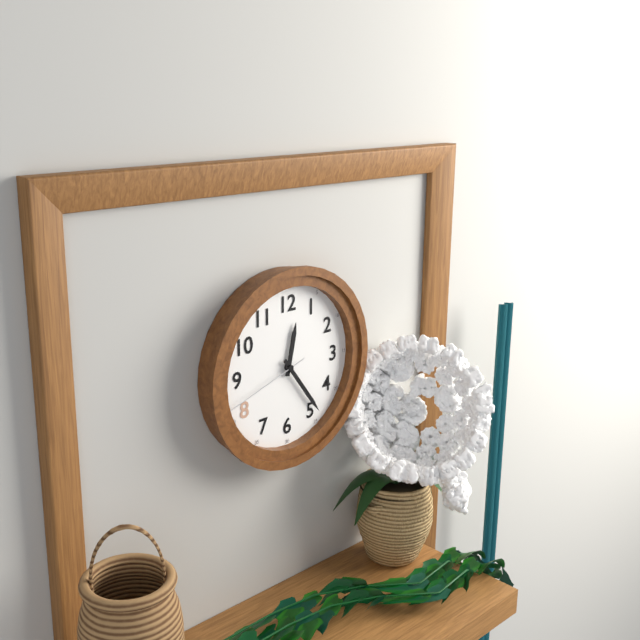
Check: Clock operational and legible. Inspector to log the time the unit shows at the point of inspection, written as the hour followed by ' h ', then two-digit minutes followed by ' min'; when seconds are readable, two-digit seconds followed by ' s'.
12 h 24 min 42 s
